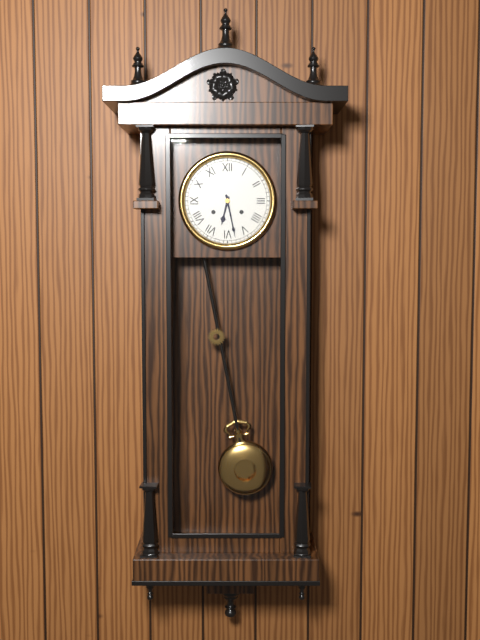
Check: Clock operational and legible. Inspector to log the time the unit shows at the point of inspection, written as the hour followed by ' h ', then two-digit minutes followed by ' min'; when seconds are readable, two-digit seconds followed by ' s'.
6 h 28 min
